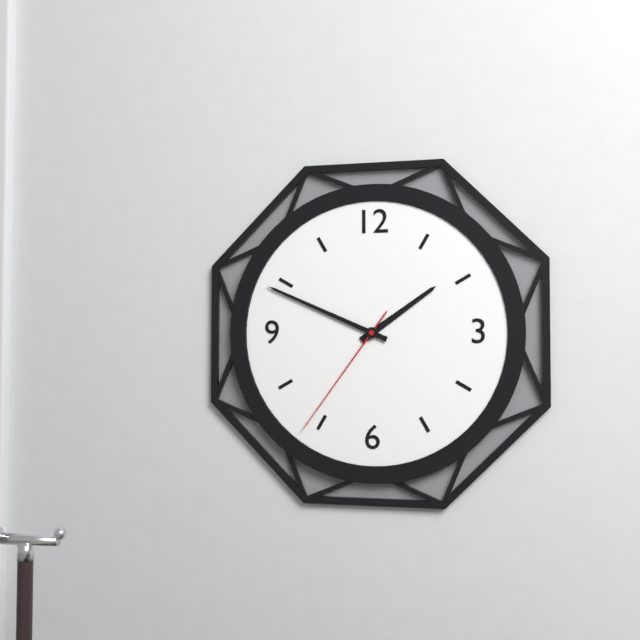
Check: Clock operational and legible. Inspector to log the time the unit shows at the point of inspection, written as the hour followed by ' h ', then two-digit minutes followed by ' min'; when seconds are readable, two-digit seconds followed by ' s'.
1 h 49 min 36 s
